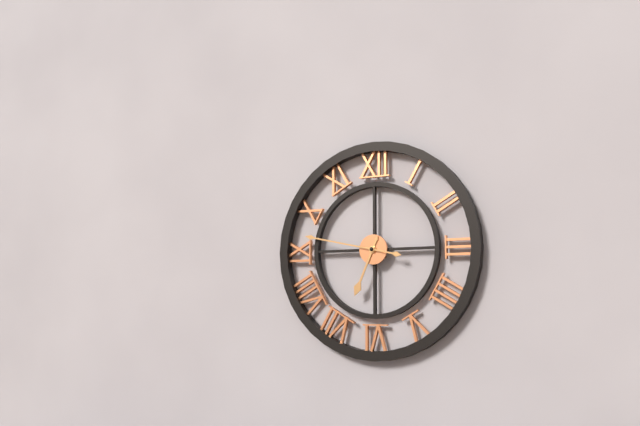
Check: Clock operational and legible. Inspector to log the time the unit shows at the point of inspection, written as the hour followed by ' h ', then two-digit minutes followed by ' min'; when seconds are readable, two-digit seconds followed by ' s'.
6 h 47 min
